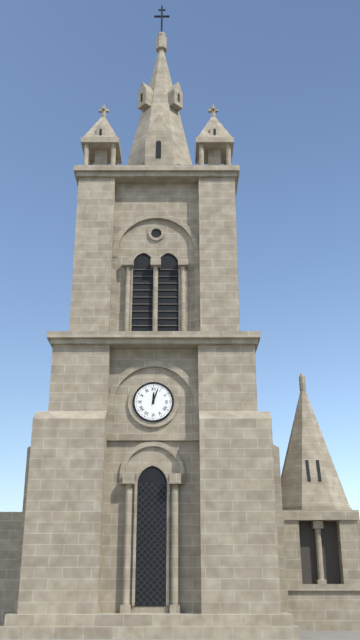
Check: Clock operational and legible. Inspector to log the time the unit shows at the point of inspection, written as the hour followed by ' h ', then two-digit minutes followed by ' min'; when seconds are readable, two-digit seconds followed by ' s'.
12 h 03 min
